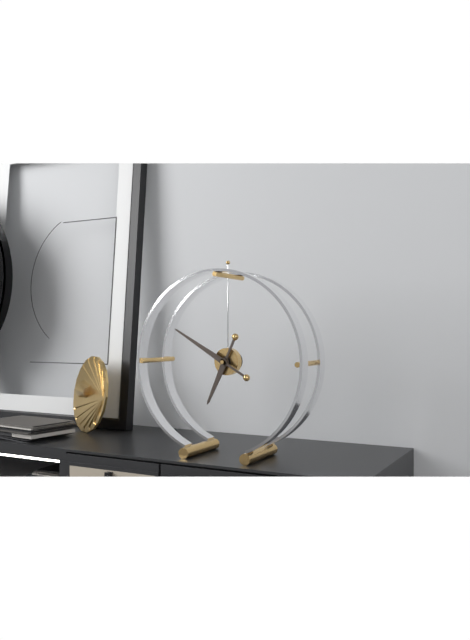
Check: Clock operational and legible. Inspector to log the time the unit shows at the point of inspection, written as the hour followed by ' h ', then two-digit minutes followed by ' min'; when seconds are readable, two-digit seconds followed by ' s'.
6 h 50 min
